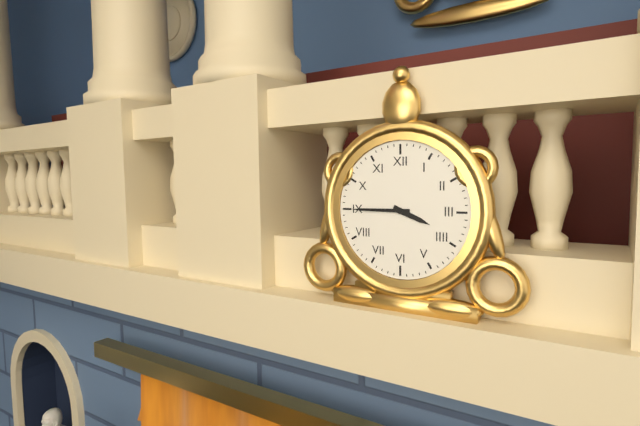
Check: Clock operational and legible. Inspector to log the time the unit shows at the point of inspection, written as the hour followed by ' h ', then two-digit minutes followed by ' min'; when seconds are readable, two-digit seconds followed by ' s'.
3 h 45 min
